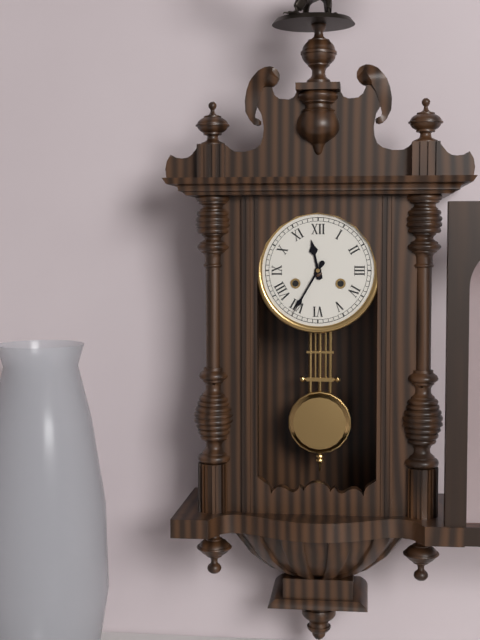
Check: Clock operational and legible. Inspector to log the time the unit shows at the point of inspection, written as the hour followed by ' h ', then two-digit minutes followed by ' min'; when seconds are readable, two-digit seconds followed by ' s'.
11 h 35 min
